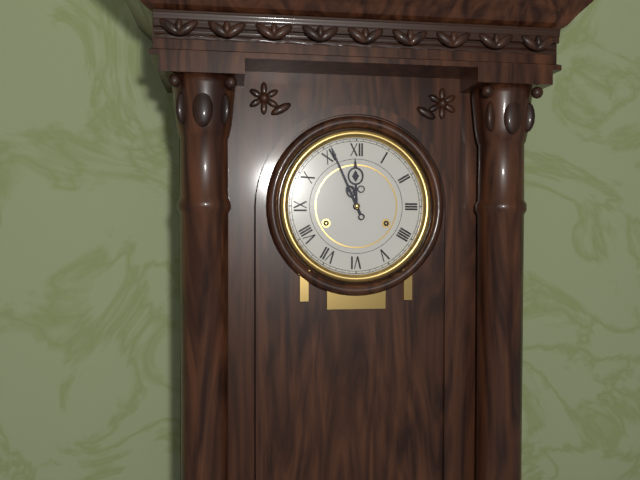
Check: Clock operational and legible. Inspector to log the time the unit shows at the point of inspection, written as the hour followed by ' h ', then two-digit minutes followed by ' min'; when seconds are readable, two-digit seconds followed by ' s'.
11 h 56 min
